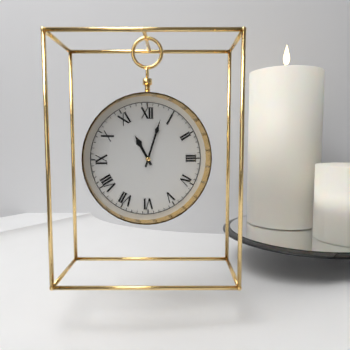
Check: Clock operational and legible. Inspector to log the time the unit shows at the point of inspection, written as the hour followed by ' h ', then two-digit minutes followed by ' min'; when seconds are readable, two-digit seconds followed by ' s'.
11 h 03 min
